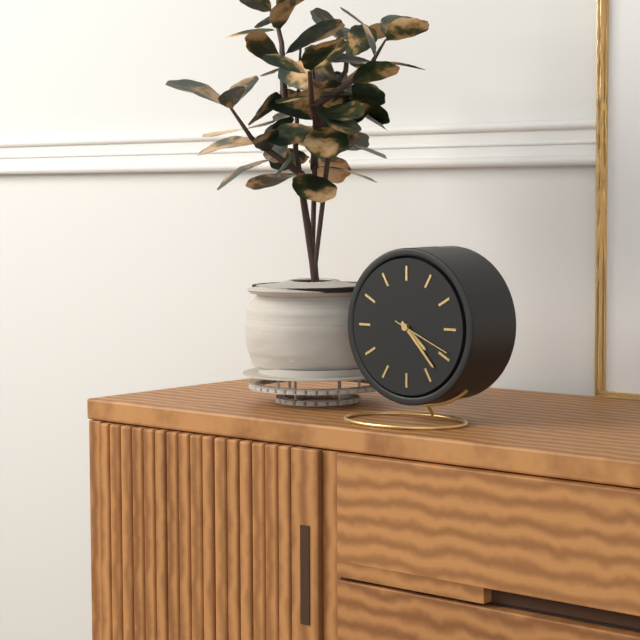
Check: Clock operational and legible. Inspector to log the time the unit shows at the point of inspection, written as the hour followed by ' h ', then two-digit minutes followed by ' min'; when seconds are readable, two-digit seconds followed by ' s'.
4 h 23 min 19 s
